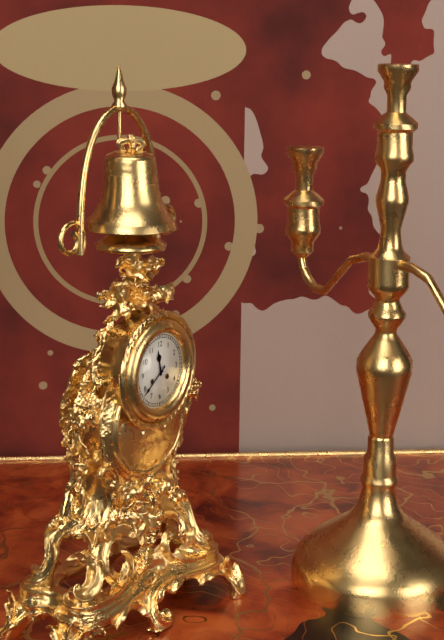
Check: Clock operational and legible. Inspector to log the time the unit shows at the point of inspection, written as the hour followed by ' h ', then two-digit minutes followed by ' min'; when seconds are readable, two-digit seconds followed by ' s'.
11 h 39 min
